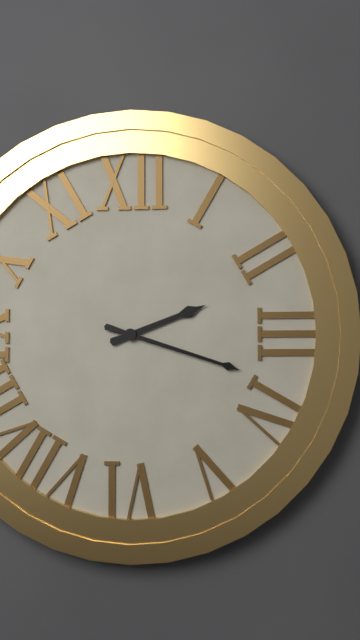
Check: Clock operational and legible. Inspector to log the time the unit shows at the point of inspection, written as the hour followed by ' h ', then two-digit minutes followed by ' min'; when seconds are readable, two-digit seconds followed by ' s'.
2 h 18 min
